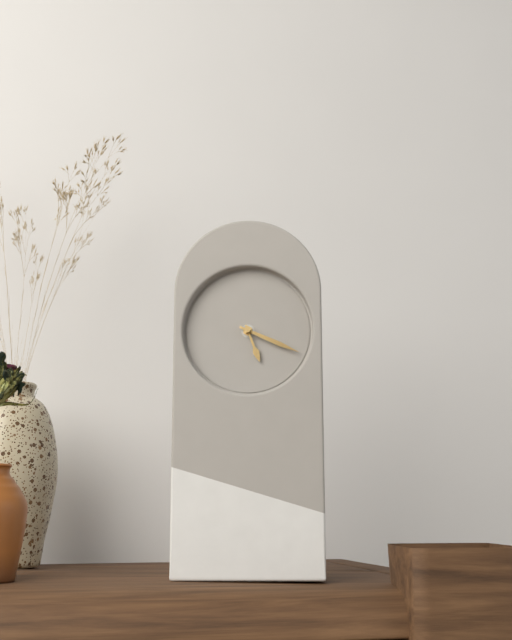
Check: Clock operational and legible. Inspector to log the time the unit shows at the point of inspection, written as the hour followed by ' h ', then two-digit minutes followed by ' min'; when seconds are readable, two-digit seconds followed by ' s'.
5 h 19 min
